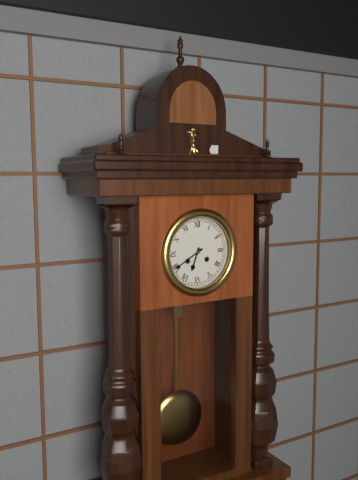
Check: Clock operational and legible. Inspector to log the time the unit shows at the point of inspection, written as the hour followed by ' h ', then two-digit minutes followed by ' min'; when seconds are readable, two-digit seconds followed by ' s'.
6 h 40 min
